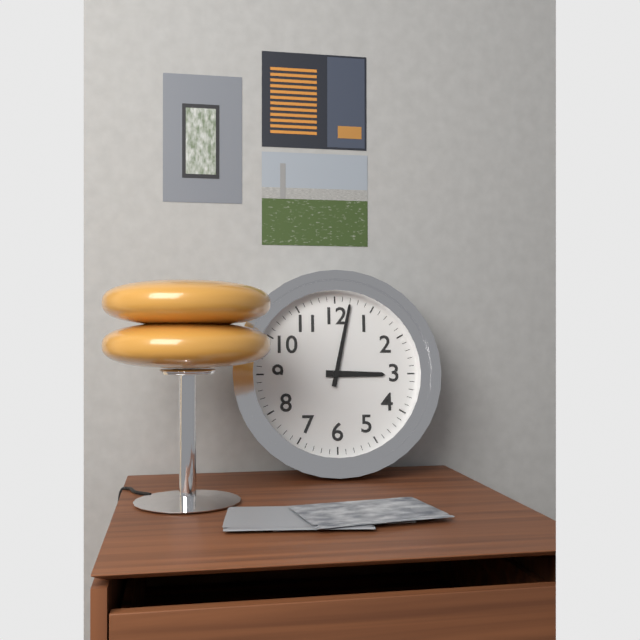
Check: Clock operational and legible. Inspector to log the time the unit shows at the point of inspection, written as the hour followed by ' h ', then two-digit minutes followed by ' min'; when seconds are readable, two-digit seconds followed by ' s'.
3 h 02 min
